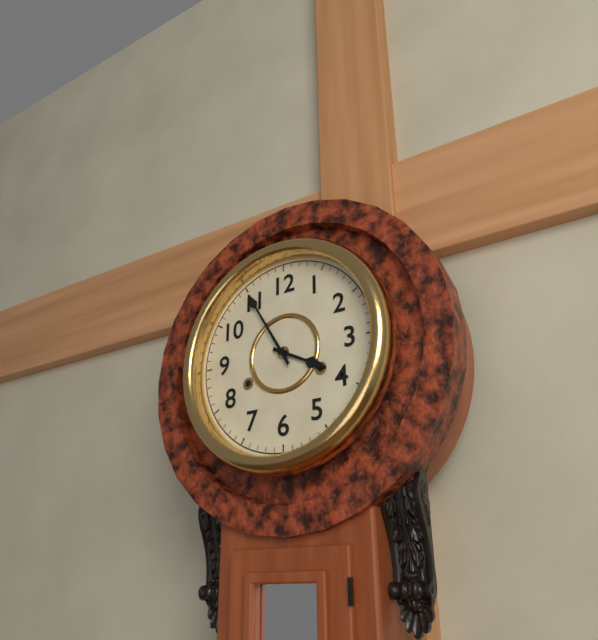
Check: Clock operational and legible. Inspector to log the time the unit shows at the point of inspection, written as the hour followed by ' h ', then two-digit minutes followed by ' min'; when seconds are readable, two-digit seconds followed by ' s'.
3 h 55 min
